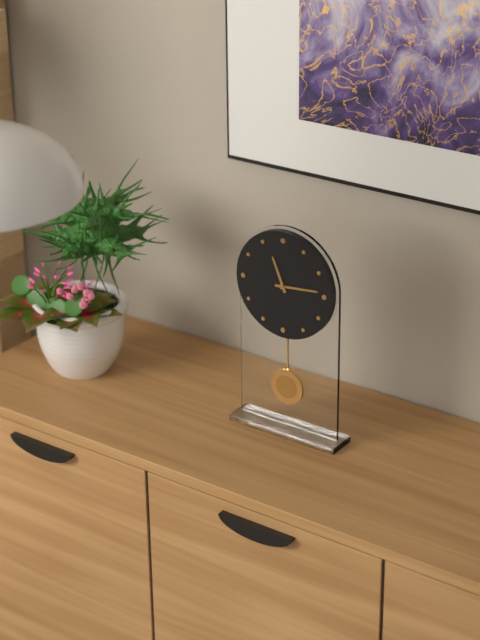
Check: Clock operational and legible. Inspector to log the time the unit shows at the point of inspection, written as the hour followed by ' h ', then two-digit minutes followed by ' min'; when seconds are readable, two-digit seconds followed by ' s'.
11 h 14 min
